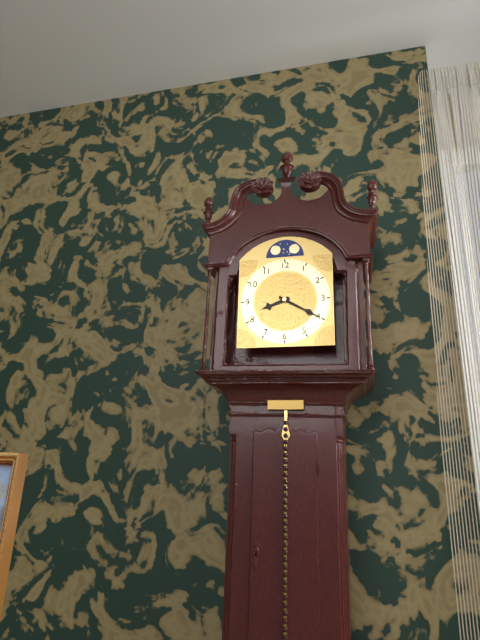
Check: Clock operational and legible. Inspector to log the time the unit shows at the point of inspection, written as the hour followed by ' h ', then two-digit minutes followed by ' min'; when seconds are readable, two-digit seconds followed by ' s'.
8 h 20 min
